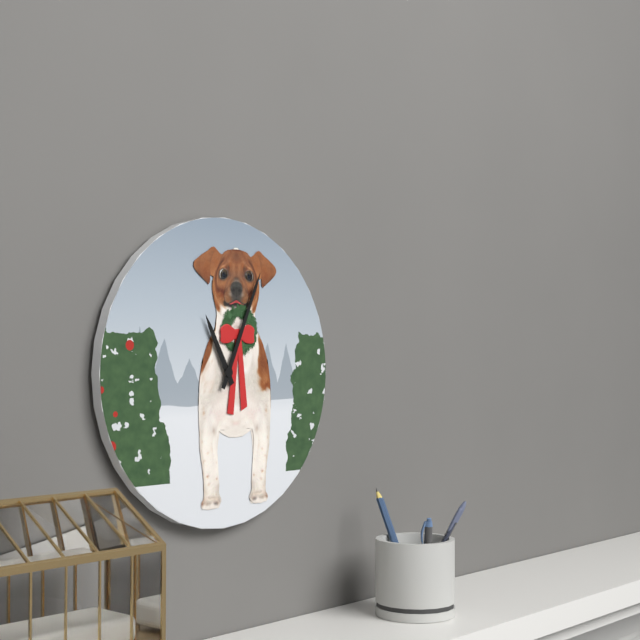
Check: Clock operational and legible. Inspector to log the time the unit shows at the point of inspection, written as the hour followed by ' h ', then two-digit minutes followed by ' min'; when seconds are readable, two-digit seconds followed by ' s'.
11 h 04 min
